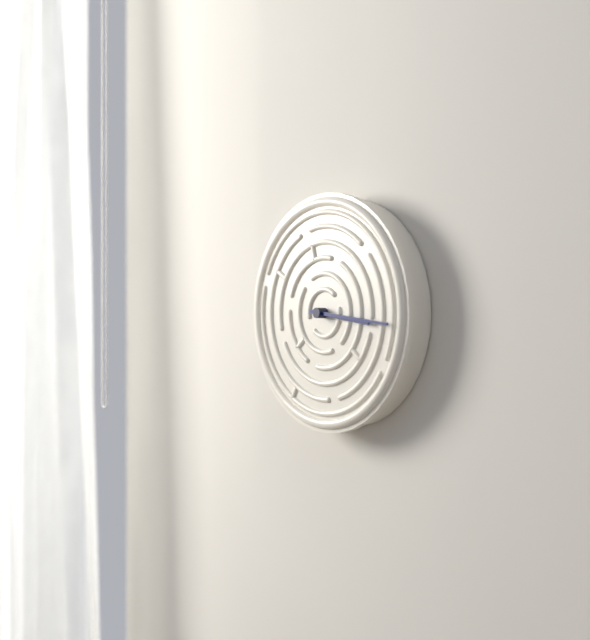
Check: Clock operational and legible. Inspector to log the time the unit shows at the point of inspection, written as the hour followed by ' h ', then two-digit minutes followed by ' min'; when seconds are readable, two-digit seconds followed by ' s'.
3 h 16 min
